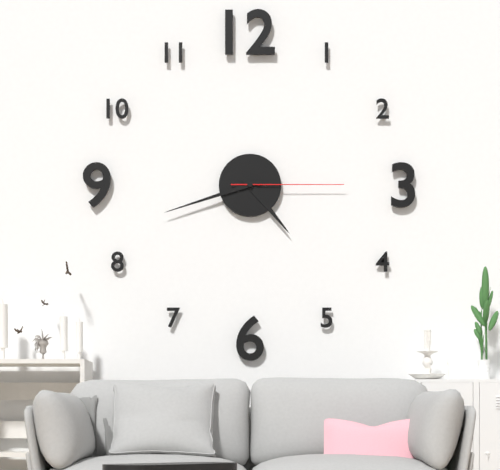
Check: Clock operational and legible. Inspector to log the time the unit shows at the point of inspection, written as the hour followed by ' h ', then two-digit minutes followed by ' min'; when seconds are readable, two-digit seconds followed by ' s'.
4 h 42 min 15 s
